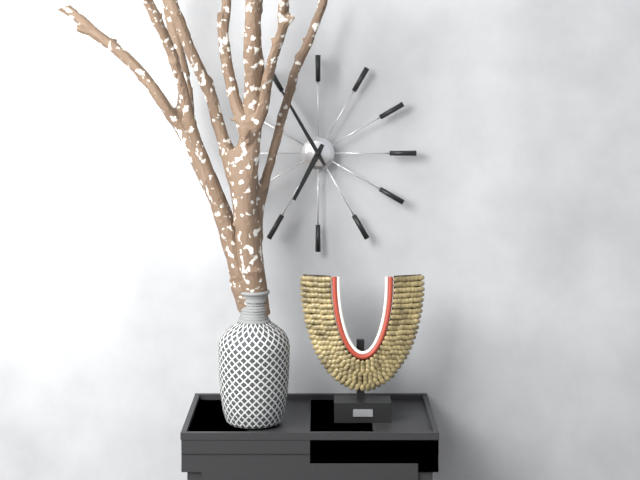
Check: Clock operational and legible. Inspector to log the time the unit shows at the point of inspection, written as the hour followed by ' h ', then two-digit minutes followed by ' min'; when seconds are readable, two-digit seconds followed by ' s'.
6 h 55 min
